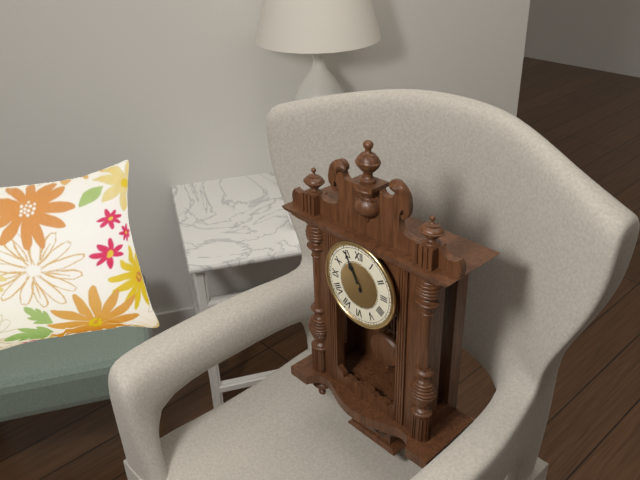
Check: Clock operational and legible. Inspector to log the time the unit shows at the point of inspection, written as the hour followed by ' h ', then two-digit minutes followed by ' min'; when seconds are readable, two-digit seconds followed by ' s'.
10 h 55 min
